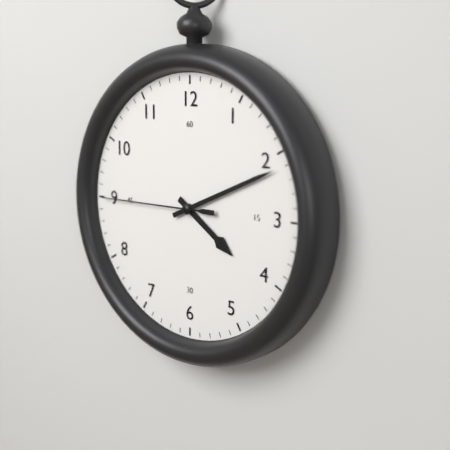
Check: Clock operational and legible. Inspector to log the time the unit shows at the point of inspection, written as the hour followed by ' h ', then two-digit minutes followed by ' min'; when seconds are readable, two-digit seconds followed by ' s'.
4 h 11 min 45 s
